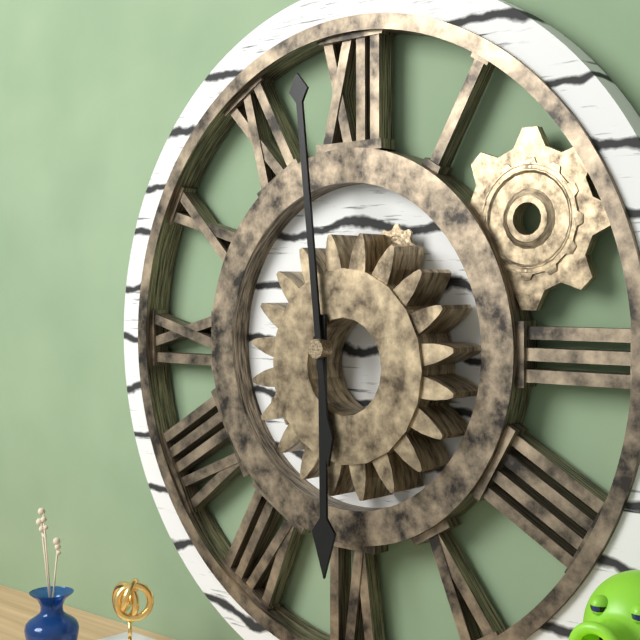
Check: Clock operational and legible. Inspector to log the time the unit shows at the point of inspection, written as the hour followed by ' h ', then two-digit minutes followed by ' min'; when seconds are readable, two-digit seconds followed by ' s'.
5 h 59 min
